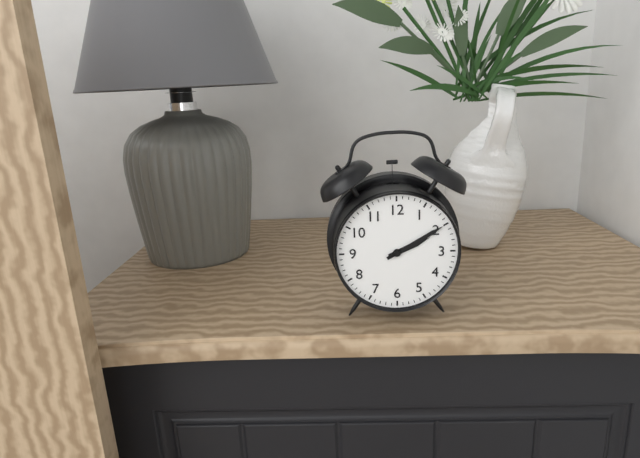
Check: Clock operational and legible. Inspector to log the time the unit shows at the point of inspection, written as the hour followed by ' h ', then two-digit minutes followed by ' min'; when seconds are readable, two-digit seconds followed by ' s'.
2 h 10 min
